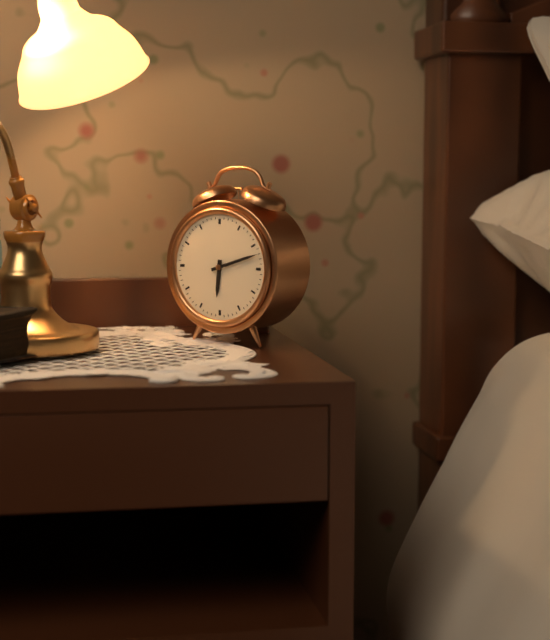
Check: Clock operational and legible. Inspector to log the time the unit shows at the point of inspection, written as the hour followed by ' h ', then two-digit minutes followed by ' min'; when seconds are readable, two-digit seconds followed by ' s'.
6 h 12 min
